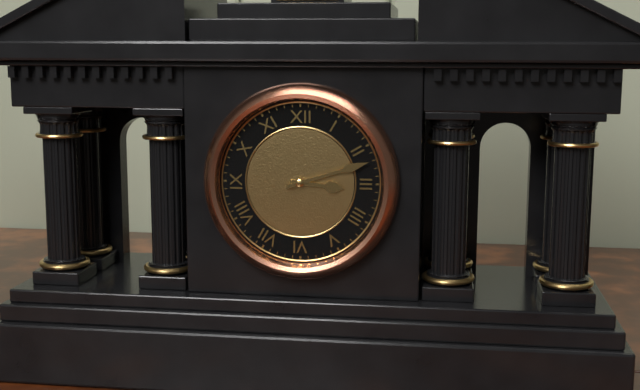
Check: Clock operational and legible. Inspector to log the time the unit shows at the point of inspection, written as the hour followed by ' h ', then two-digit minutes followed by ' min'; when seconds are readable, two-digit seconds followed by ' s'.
3 h 12 min
